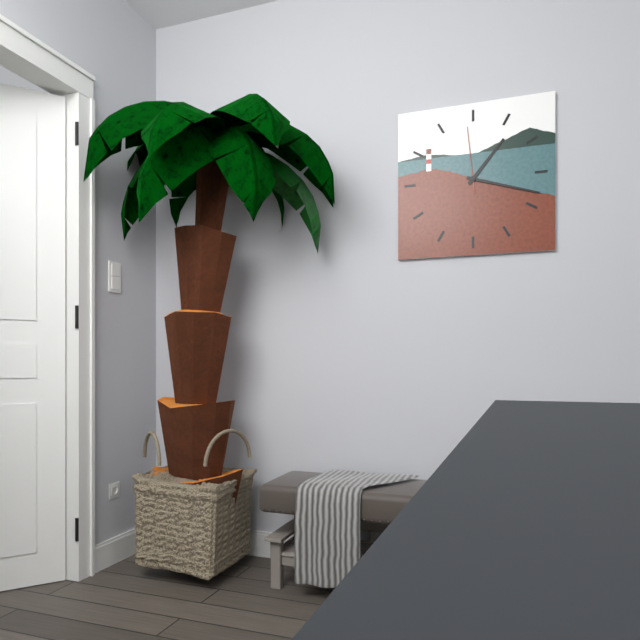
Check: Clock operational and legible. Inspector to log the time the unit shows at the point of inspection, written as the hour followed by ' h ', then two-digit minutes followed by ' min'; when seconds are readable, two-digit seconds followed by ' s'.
1 h 18 min 59 s
